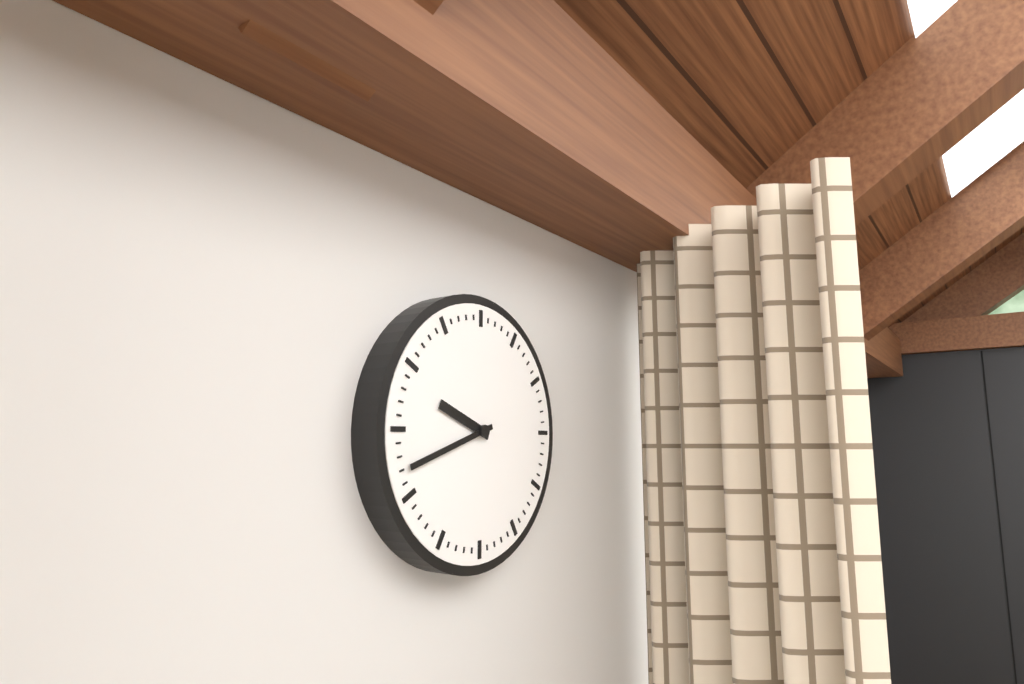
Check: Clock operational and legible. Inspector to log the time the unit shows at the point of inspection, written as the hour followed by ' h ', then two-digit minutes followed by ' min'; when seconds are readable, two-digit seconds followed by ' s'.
9 h 42 min
